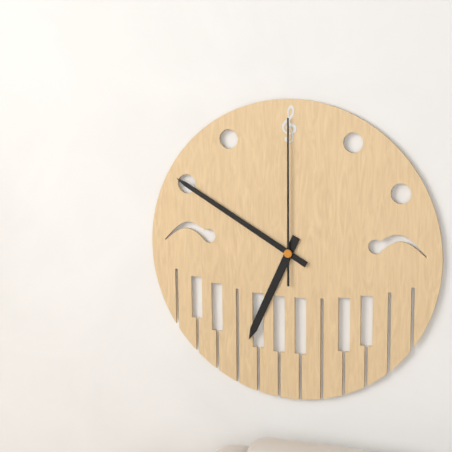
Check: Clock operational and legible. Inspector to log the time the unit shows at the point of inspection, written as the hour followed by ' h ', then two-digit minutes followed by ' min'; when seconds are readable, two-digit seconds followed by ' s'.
6 h 50 min 00 s
